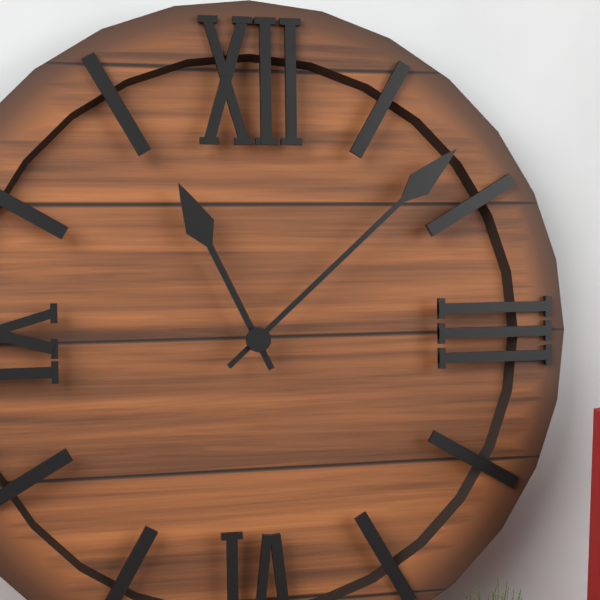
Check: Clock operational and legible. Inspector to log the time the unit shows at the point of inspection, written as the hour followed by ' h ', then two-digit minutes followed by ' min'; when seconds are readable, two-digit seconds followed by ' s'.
11 h 08 min
